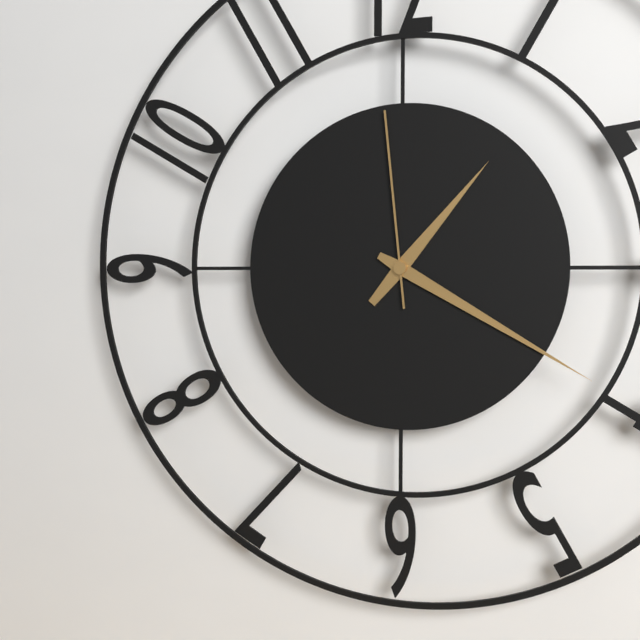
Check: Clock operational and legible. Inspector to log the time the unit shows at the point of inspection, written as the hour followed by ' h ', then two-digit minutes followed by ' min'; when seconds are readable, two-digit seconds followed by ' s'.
1 h 20 min 59 s
